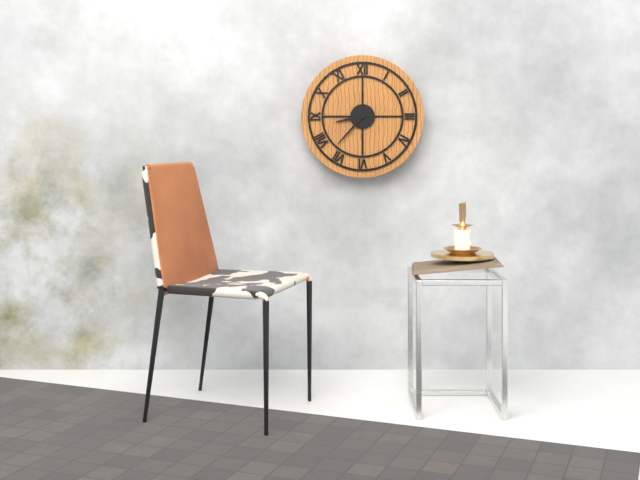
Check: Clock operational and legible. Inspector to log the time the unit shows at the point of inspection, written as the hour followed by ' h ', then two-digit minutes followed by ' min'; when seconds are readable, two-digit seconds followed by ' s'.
8 h 37 min
